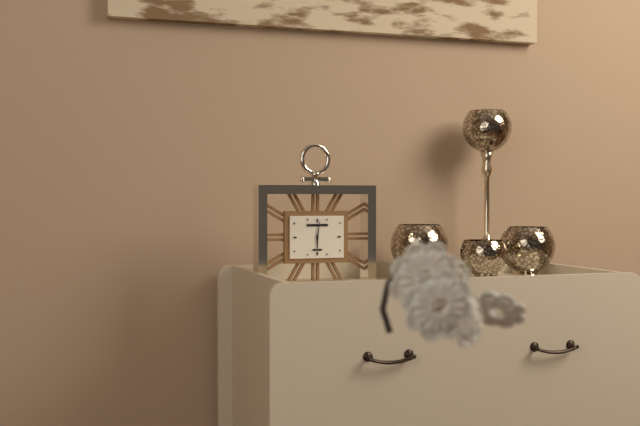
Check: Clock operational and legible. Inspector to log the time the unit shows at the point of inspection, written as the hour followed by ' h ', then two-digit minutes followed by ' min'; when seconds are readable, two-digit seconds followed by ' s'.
6 h 01 min
